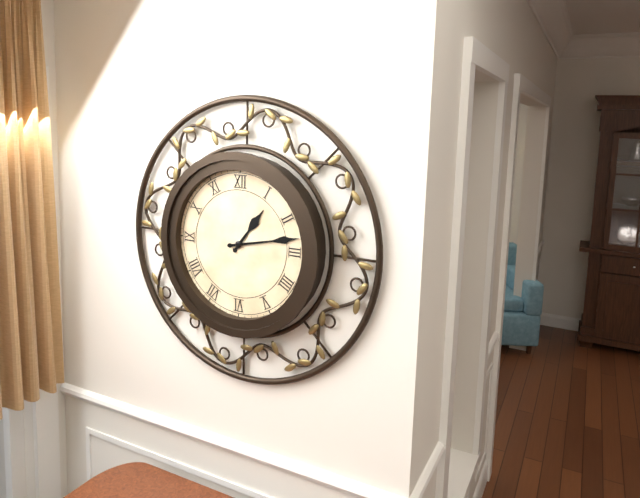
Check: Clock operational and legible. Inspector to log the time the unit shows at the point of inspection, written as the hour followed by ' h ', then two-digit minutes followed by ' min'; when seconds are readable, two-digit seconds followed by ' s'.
1 h 13 min
